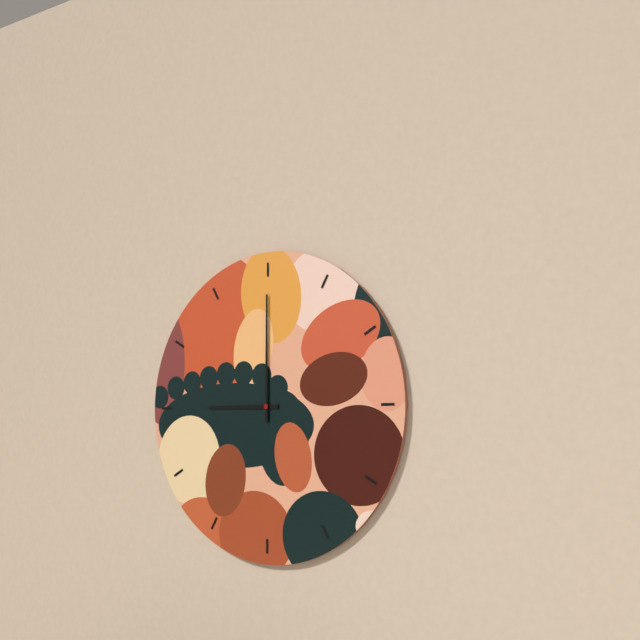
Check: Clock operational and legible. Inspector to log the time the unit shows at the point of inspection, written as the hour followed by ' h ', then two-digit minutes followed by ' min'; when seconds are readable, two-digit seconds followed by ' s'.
9 h 00 min
